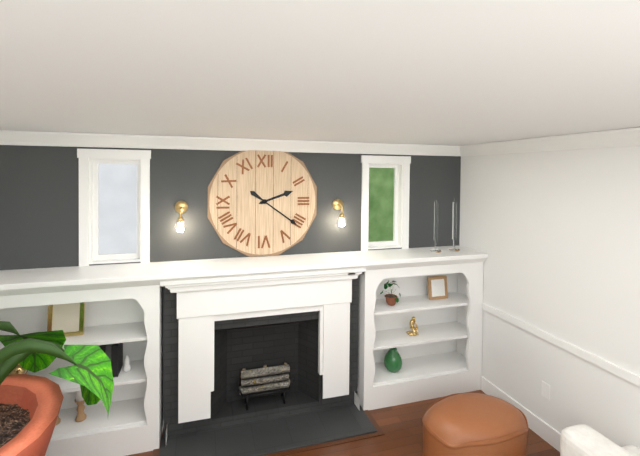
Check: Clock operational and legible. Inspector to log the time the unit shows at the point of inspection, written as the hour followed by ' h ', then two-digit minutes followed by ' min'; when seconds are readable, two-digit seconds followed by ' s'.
2 h 21 min
